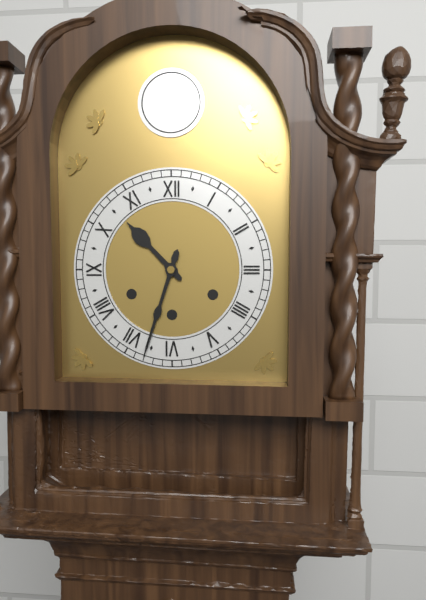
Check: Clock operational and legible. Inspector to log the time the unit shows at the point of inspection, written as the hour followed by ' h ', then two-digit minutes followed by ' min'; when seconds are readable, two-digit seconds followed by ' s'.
10 h 33 min
